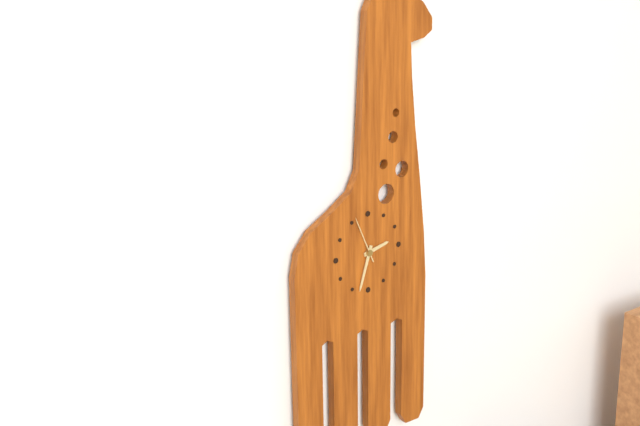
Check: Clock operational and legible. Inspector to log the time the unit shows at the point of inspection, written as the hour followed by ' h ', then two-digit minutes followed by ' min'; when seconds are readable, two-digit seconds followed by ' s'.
2 h 33 min
